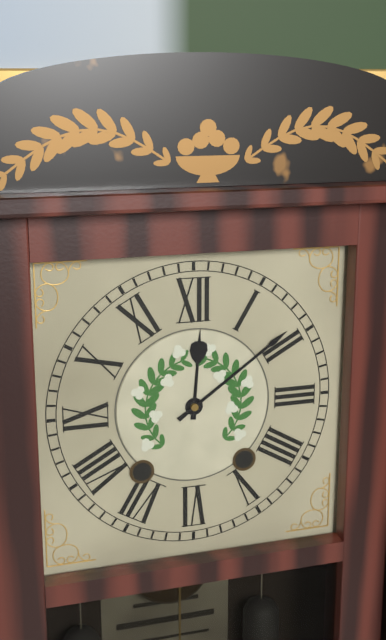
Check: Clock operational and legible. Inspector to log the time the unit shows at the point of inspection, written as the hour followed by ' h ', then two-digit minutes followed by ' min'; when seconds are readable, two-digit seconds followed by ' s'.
12 h 09 min
